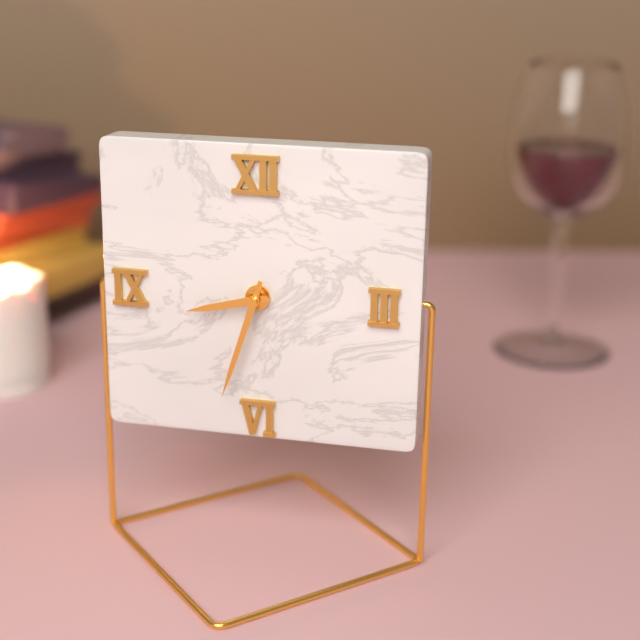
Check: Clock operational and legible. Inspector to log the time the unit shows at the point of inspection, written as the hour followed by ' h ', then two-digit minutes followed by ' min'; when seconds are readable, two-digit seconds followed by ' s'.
8 h 33 min
